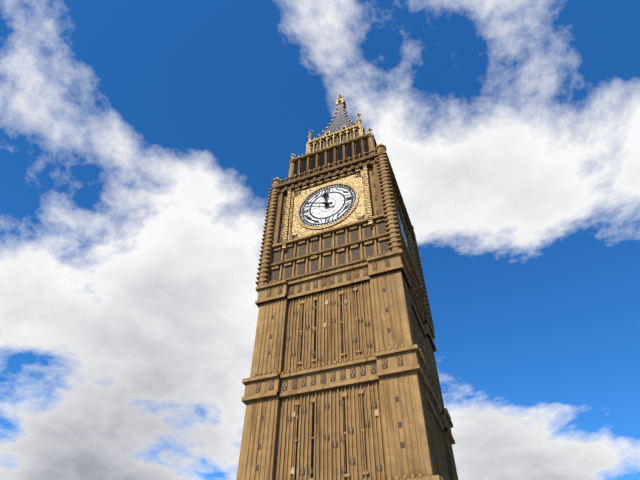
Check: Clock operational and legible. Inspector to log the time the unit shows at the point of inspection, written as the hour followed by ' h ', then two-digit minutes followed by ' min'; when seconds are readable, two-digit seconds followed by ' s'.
11 h 49 min
